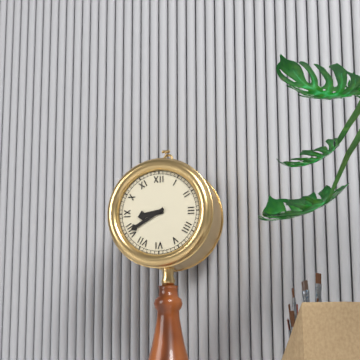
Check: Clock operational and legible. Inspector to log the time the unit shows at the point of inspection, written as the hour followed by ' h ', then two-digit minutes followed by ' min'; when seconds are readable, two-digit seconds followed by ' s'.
8 h 40 min
